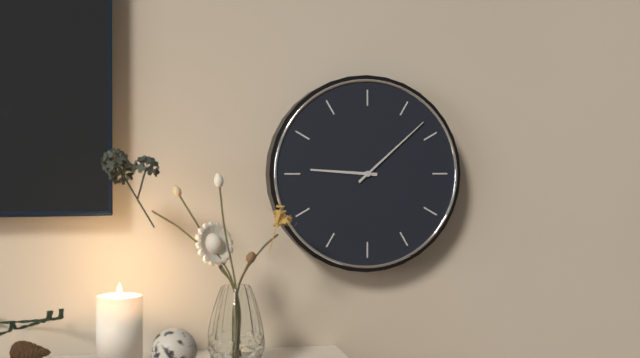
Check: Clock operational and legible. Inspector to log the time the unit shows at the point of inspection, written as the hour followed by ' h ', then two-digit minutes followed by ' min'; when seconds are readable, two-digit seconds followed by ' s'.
9 h 08 min
